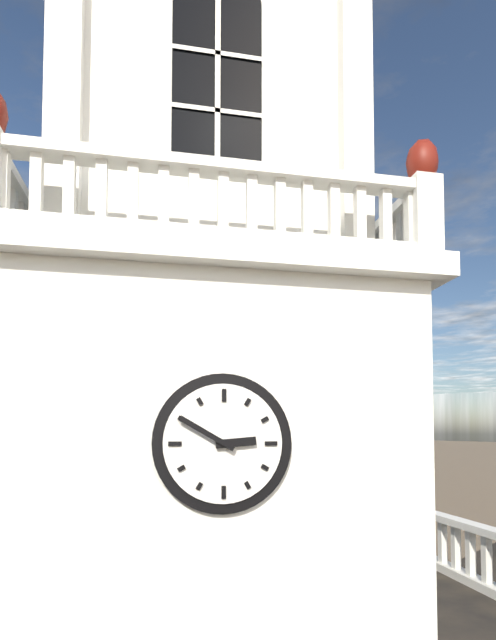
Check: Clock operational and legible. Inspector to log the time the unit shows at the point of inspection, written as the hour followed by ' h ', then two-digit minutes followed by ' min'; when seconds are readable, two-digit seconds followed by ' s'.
2 h 50 min
